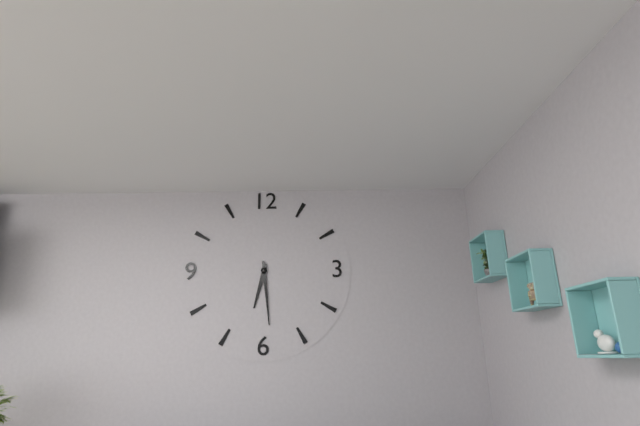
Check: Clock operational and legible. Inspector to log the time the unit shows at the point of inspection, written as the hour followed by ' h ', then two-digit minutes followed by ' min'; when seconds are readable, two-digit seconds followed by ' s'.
6 h 29 min
